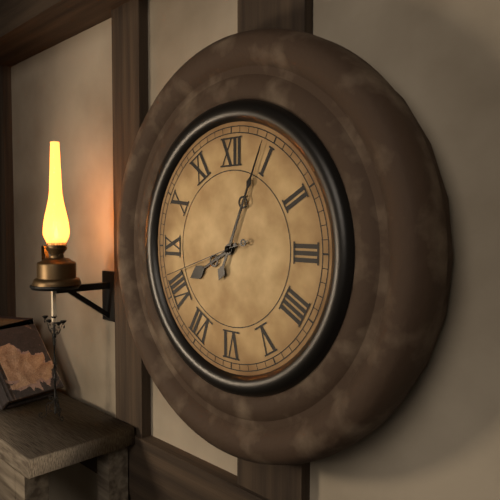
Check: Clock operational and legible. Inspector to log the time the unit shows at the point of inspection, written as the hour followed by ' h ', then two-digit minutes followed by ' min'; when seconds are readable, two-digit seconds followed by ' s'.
8 h 04 min 42 s
